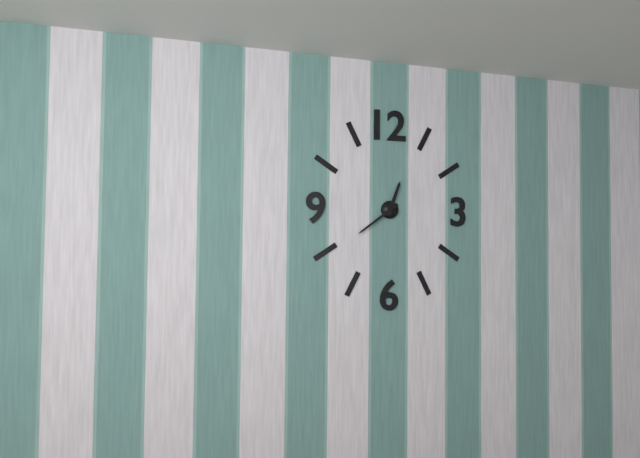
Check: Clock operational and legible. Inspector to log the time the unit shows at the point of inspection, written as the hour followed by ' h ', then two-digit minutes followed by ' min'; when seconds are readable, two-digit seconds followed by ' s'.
12 h 39 min
